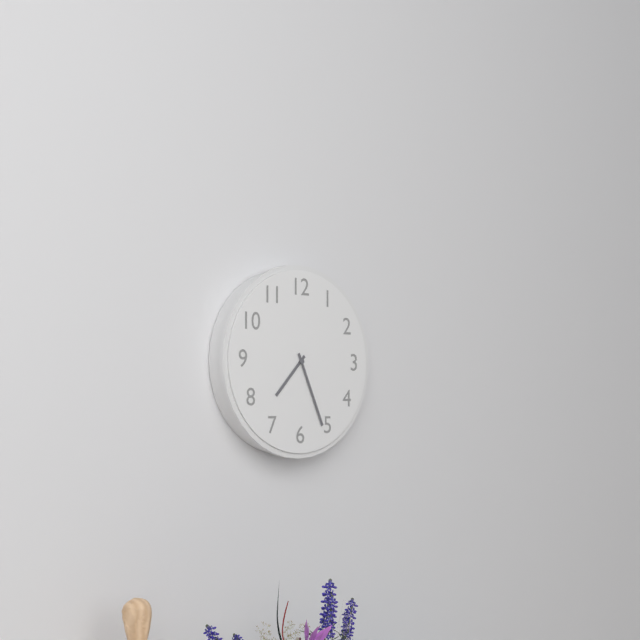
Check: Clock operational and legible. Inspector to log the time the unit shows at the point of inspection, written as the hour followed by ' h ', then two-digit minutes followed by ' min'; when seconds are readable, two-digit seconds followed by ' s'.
7 h 26 min
